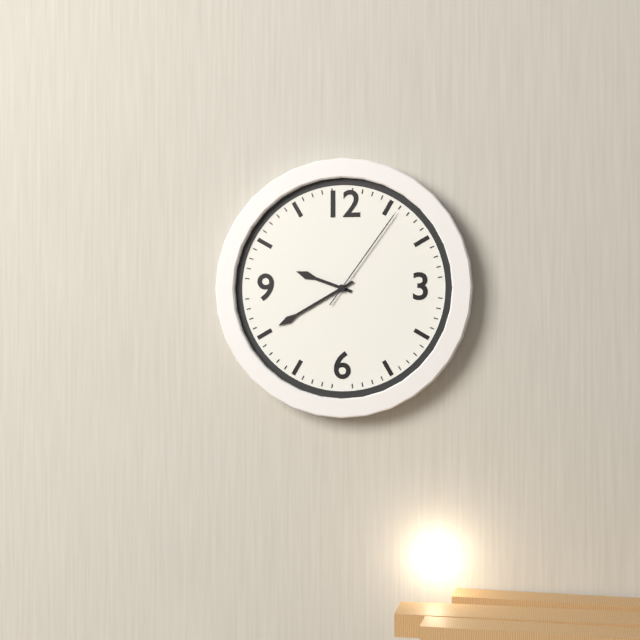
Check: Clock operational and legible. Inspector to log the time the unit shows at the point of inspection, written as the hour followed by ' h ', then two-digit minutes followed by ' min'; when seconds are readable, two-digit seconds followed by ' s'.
9 h 40 min 06 s
